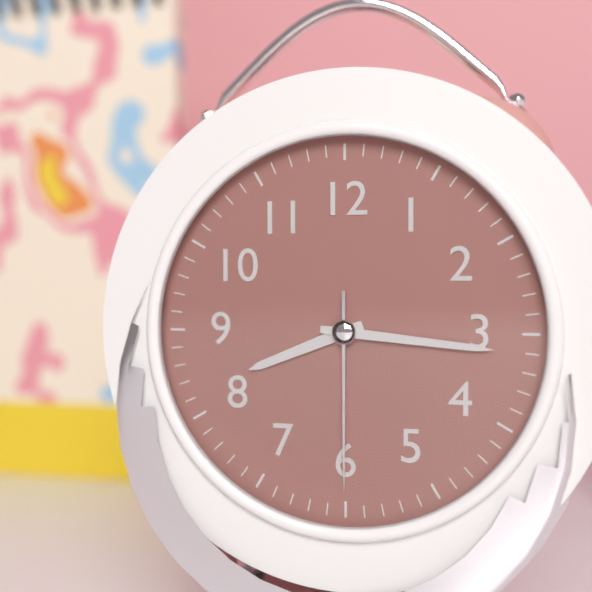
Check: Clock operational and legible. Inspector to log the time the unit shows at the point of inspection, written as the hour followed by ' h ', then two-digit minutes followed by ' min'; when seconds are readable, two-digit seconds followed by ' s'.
8 h 16 min 30 s
